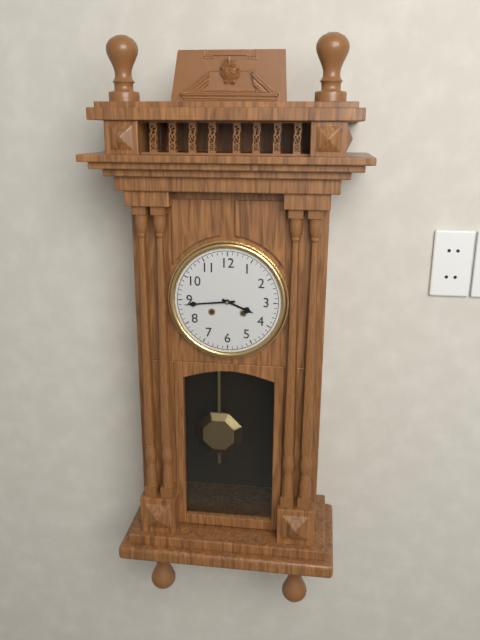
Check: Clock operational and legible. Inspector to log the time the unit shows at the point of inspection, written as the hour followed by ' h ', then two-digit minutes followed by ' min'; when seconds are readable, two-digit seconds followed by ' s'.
3 h 44 min
